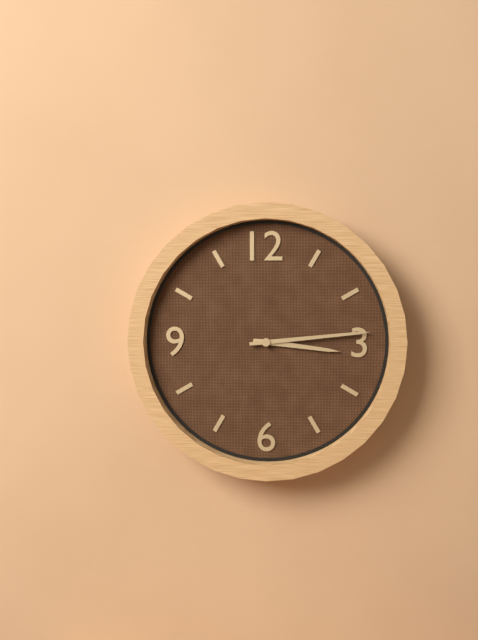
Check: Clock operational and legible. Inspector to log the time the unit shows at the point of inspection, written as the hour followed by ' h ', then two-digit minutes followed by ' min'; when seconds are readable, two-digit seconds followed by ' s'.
3 h 14 min
